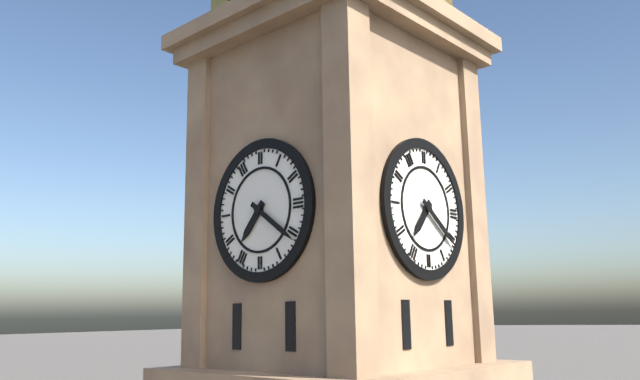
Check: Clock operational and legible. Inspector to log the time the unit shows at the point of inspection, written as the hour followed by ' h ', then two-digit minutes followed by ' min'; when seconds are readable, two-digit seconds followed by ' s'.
7 h 21 min
